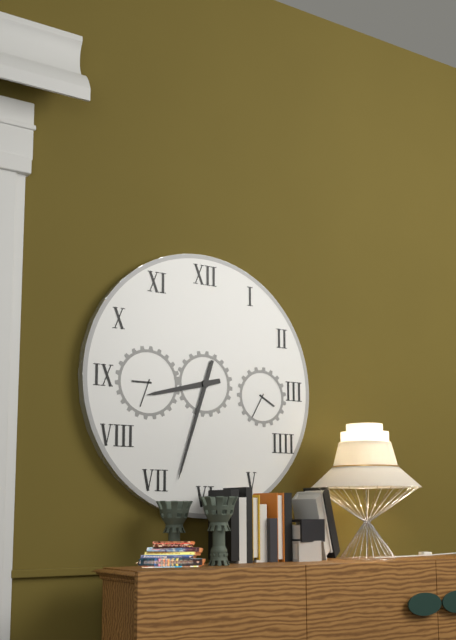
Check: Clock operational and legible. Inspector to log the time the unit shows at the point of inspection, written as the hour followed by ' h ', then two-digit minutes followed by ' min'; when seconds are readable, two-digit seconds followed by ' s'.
8 h 33 min
